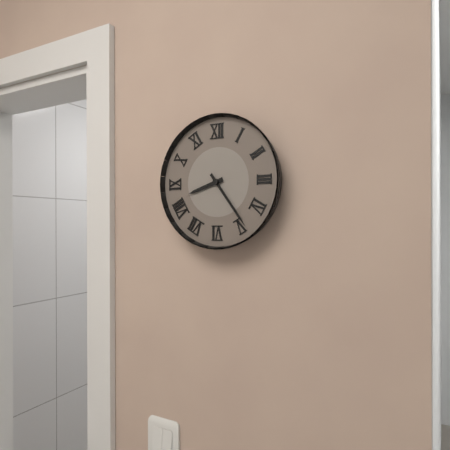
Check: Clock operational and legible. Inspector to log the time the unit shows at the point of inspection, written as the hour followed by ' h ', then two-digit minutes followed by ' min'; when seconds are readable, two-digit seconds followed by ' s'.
8 h 24 min
